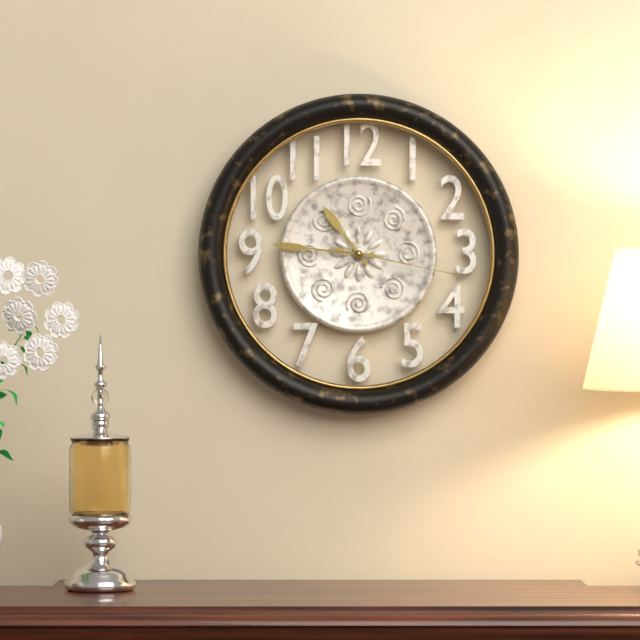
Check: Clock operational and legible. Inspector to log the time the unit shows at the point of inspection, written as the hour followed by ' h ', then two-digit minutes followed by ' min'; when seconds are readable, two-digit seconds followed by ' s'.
10 h 46 min 17 s
